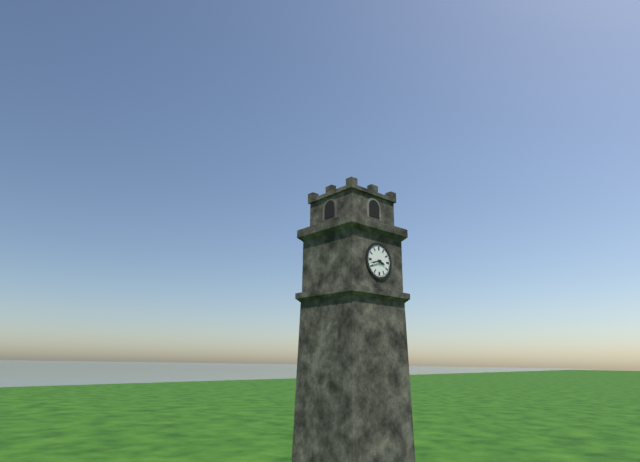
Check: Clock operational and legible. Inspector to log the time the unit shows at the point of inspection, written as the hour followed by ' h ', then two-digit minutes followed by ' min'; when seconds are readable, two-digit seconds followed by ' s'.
3 h 42 min
